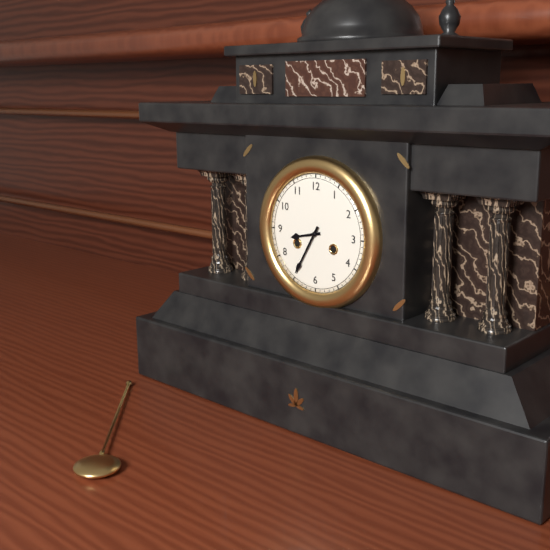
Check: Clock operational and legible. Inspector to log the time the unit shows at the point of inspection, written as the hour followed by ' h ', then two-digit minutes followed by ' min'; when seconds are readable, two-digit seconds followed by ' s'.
8 h 35 min
